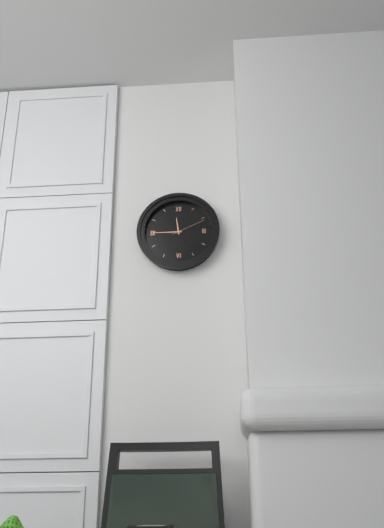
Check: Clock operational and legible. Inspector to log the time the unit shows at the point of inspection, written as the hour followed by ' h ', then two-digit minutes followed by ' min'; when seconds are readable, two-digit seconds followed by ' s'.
11 h 45 min
